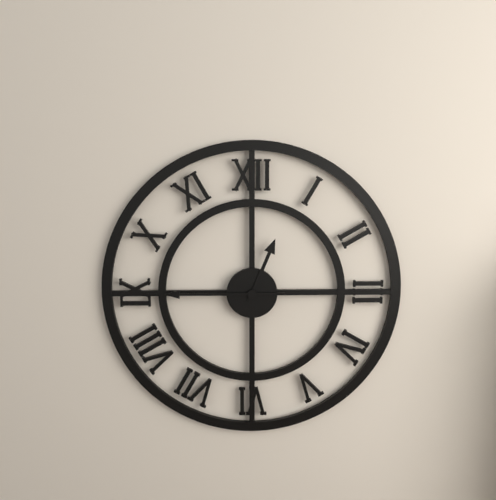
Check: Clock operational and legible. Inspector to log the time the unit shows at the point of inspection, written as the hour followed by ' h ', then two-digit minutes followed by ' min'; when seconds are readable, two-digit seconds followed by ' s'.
12 h 45 min
